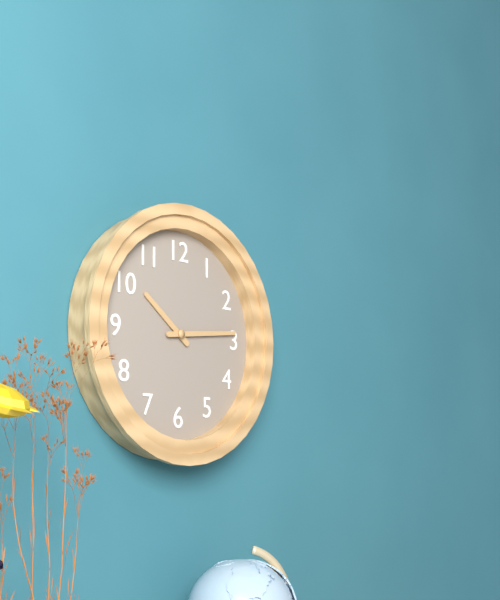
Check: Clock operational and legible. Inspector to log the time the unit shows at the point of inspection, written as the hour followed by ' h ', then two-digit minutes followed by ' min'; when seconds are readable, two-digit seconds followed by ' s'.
10 h 14 min
